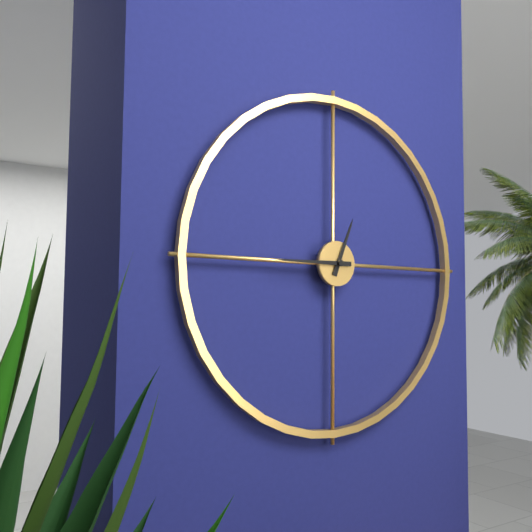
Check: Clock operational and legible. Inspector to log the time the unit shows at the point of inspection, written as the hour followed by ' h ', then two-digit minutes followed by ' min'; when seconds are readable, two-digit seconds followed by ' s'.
12 h 45 min
